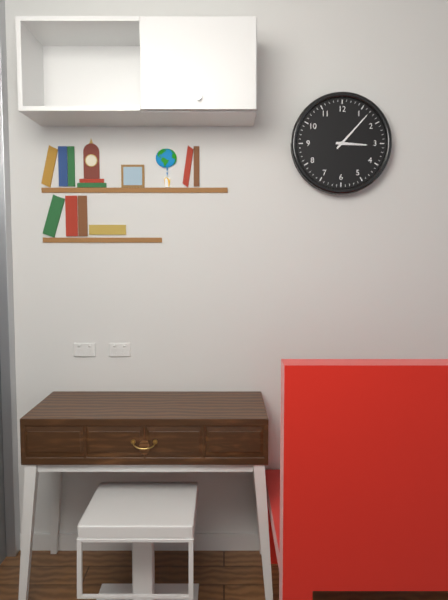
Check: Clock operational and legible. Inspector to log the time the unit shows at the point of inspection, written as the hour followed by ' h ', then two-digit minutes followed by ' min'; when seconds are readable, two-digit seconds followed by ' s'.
3 h 07 min
